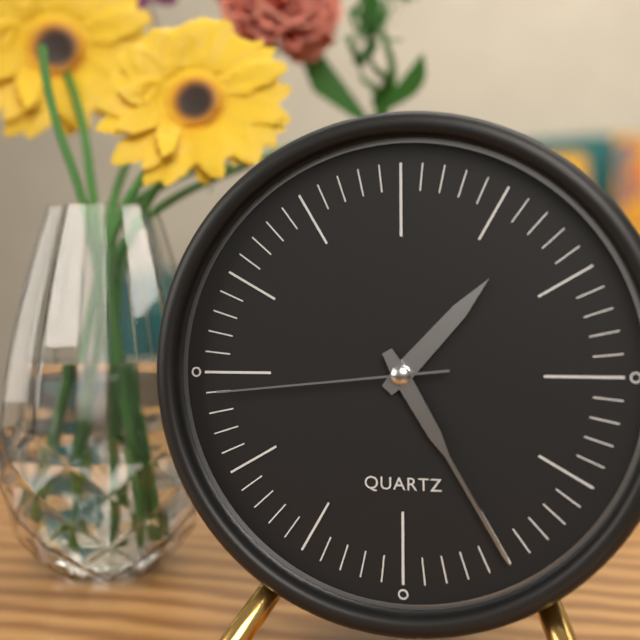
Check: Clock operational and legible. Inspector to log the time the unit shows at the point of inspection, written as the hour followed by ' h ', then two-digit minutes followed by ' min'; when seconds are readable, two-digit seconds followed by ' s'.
1 h 25 min 44 s
